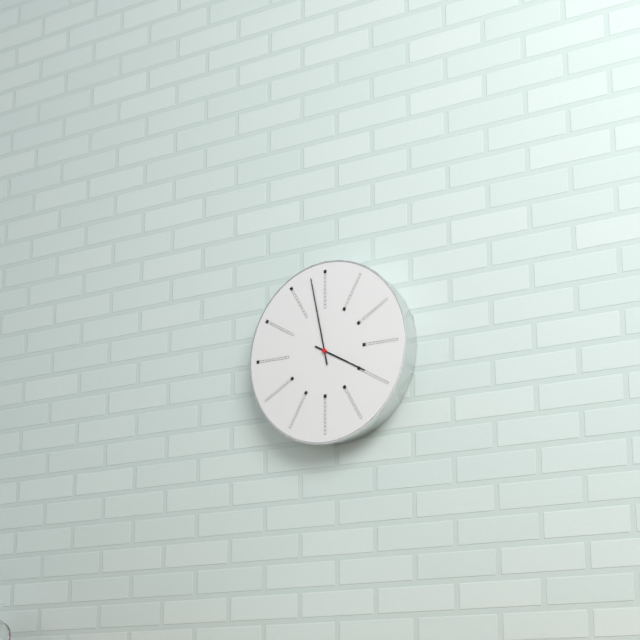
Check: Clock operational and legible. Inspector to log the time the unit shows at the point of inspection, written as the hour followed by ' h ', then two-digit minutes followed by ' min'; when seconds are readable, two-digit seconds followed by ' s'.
3 h 58 min
